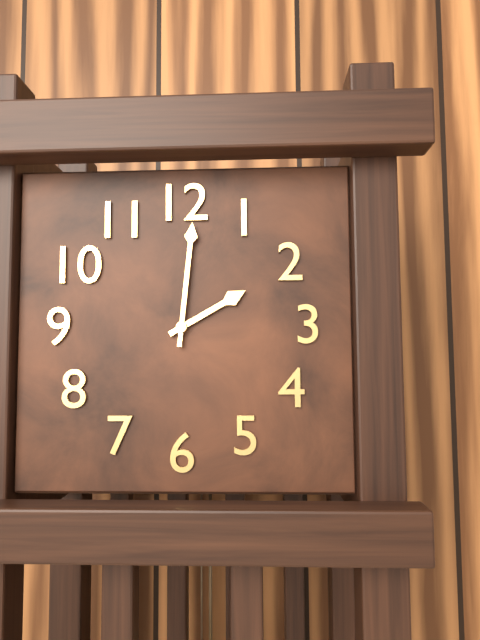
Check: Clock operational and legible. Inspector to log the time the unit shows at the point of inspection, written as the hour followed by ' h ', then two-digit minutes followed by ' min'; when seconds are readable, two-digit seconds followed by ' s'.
2 h 01 min
